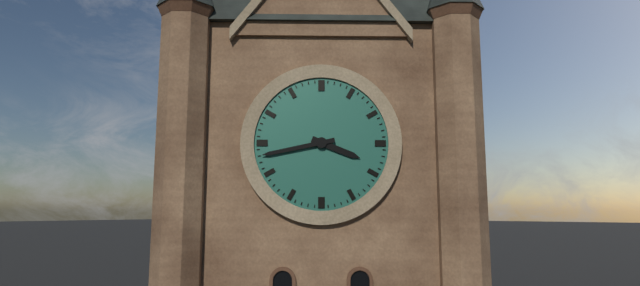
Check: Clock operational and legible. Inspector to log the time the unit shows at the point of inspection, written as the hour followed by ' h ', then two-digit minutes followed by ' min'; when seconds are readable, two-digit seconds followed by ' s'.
3 h 43 min
